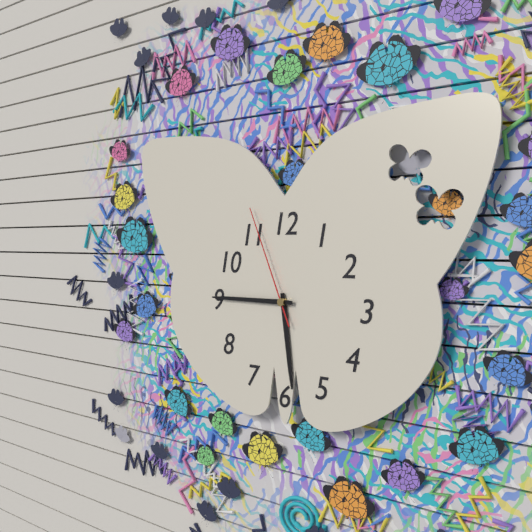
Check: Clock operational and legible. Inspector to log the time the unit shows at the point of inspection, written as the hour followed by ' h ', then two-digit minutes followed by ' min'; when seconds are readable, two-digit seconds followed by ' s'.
5 h 45 min 56 s
